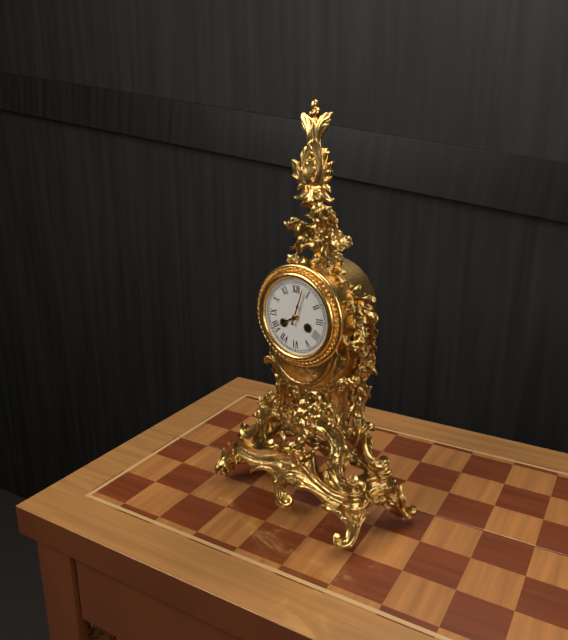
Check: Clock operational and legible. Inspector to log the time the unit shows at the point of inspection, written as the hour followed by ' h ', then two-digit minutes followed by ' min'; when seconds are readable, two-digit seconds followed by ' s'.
8 h 03 min
